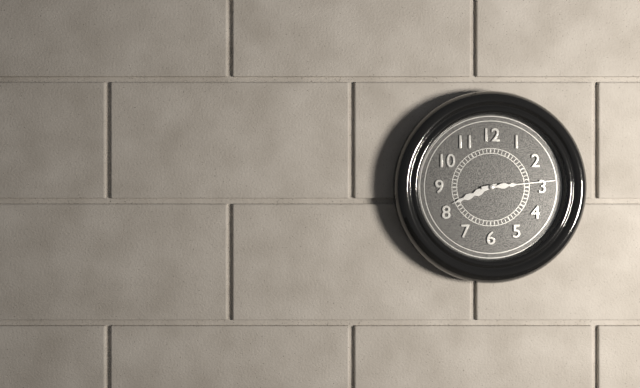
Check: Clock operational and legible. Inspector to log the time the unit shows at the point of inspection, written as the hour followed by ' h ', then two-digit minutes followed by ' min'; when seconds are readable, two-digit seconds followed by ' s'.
8 h 14 min
